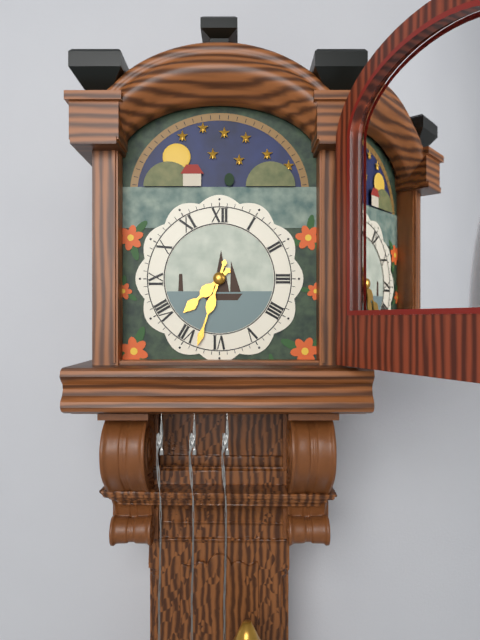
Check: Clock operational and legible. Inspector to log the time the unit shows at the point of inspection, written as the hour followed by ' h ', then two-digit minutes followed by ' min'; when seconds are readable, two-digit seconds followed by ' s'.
7 h 33 min
